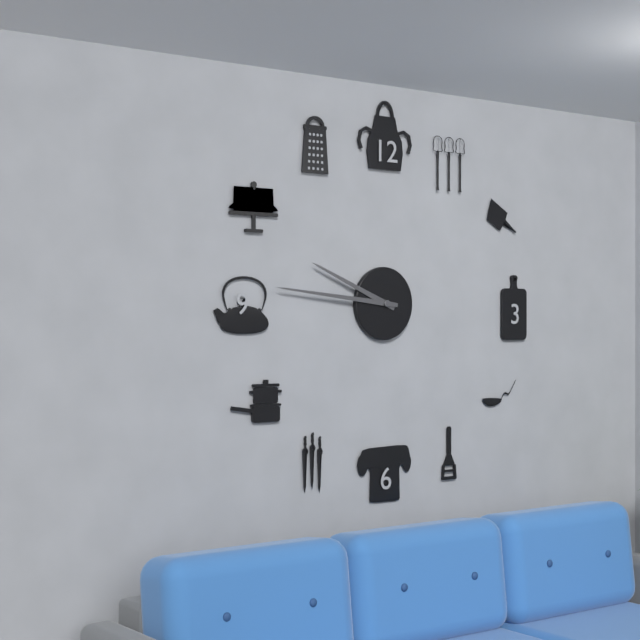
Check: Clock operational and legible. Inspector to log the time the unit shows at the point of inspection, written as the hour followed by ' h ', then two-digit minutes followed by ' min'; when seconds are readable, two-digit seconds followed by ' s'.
9 h 46 min
